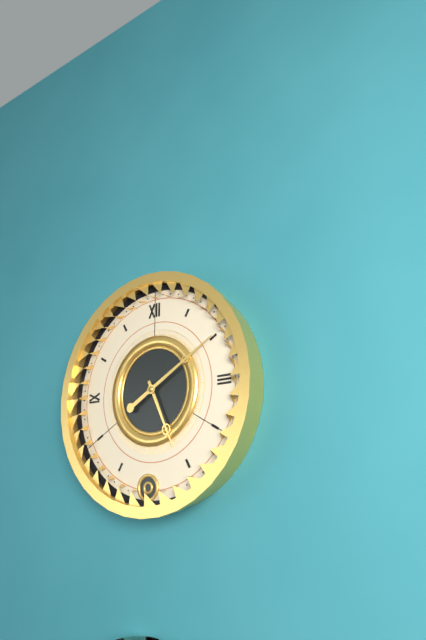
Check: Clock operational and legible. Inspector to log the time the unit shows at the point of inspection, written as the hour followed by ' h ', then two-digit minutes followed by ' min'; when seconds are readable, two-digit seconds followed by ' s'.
5 h 10 min
